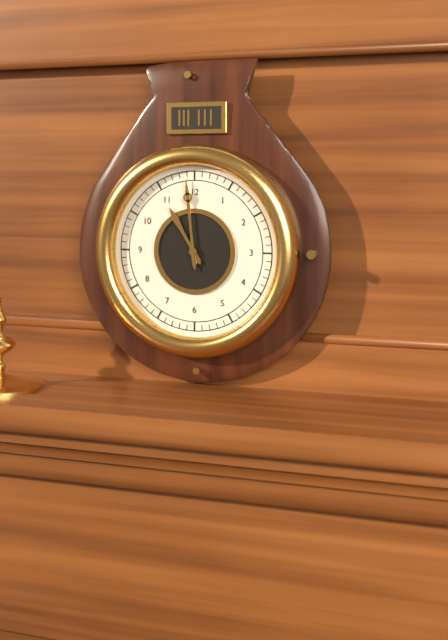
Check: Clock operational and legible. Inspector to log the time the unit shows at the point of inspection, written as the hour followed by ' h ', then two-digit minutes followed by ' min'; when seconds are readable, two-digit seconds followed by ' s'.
10 h 59 min
